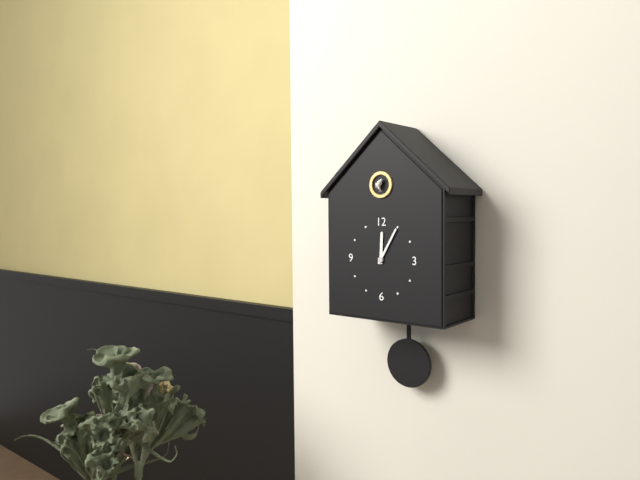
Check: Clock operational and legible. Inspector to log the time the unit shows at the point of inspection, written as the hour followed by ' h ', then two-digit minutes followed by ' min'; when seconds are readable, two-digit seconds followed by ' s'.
12 h 05 min
